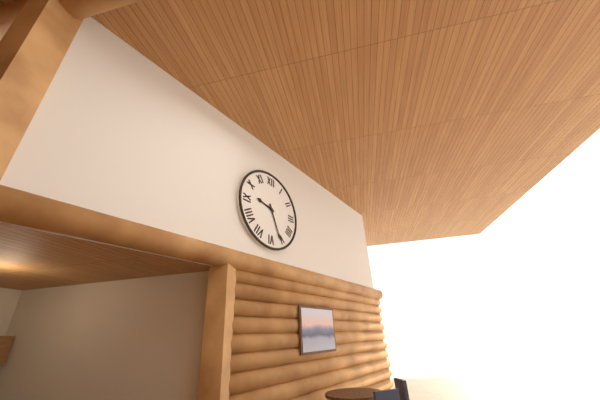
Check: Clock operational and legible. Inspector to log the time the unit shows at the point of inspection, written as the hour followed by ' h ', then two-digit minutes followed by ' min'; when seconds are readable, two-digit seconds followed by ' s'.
9 h 26 min
